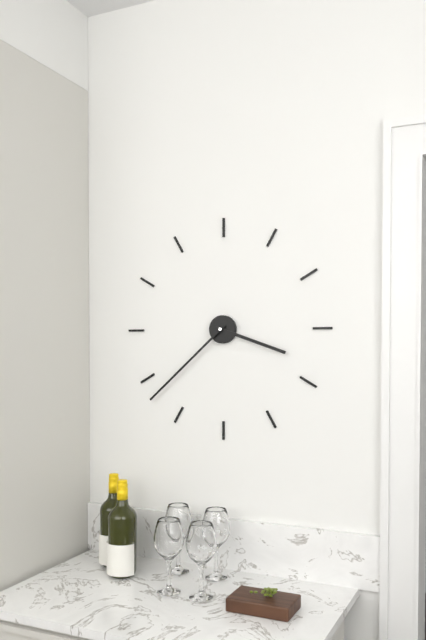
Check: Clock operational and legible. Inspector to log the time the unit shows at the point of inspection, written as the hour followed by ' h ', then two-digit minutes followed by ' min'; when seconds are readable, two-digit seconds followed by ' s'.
3 h 38 min
